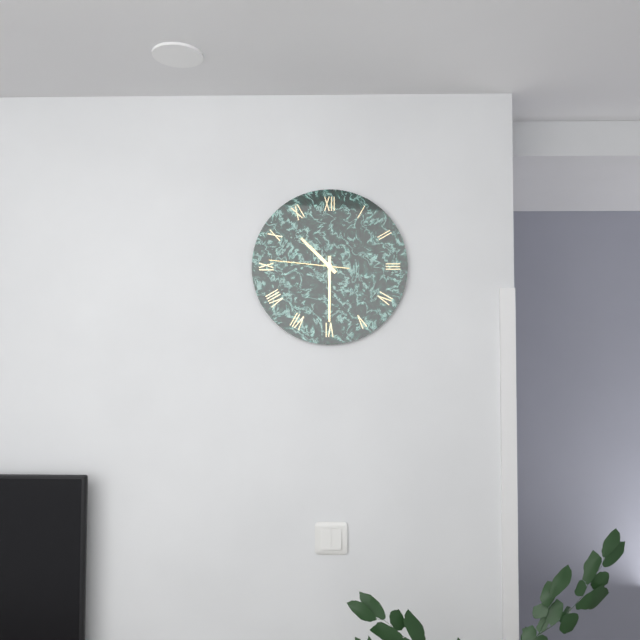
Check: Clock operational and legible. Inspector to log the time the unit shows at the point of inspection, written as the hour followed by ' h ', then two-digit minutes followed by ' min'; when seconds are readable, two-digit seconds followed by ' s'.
10 h 30 min 46 s
